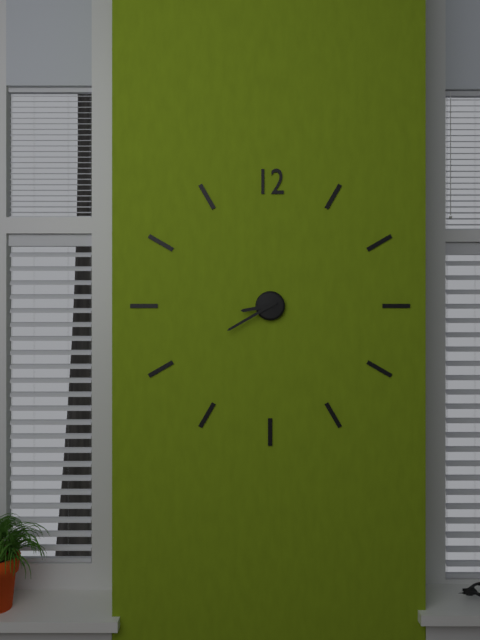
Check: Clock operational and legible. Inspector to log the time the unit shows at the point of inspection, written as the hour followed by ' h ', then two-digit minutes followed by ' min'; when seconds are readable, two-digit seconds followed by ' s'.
8 h 40 min
